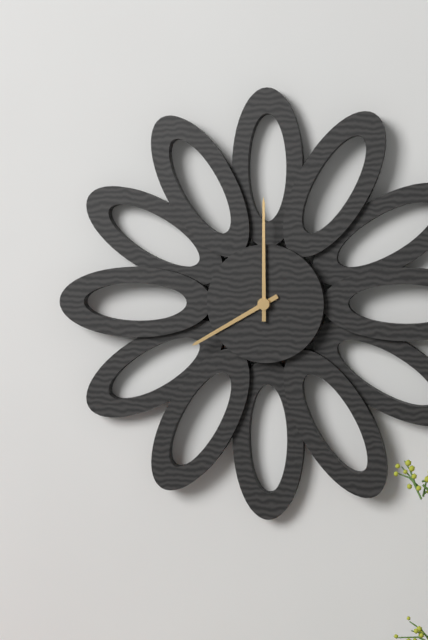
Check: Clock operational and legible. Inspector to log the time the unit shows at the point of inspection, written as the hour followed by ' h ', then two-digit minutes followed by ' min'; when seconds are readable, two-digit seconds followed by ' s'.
8 h 00 min
